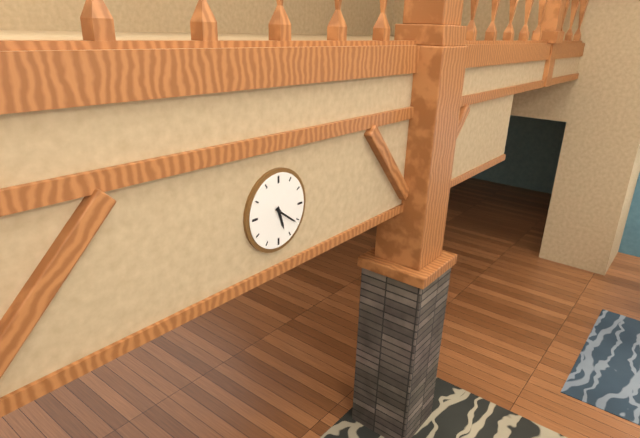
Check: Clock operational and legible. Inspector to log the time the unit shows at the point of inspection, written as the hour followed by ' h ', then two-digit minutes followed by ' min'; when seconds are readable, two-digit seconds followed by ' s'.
5 h 21 min
